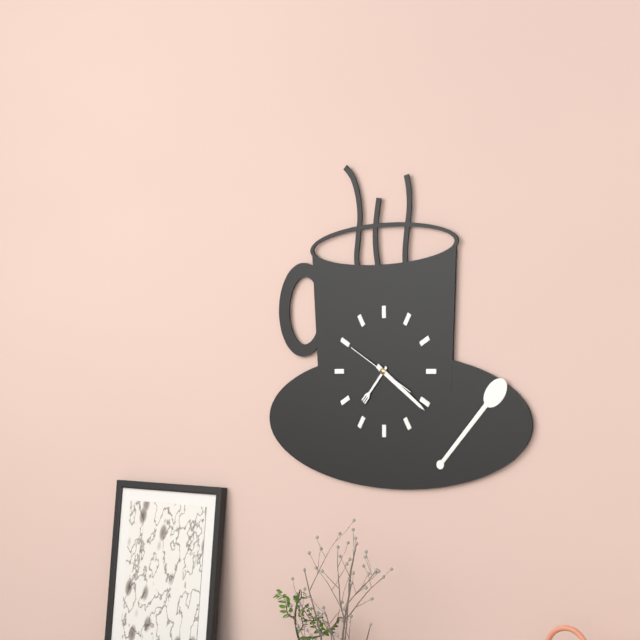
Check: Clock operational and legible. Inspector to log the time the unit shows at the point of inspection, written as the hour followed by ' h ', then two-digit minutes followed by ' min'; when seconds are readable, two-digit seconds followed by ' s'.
7 h 21 min 50 s
